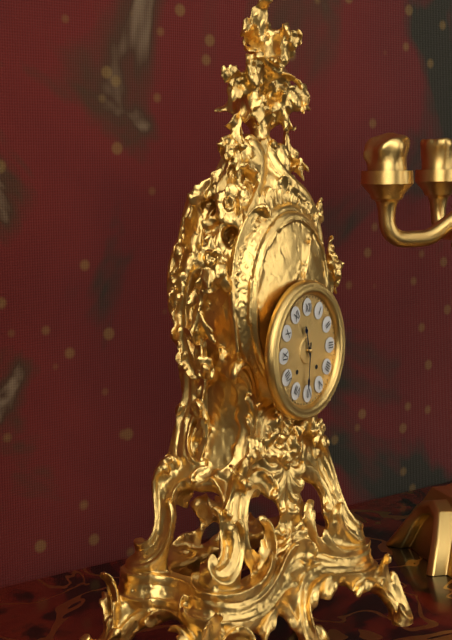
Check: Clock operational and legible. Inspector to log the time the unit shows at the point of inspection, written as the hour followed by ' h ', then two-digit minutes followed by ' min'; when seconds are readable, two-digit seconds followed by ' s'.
11 h 31 min
